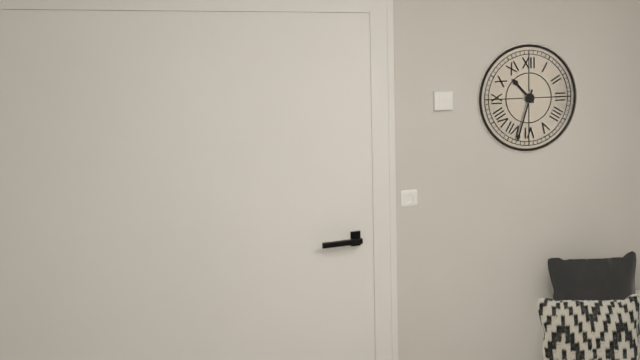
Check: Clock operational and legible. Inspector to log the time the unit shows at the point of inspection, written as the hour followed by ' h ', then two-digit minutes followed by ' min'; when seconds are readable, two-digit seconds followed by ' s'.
10 h 33 min
